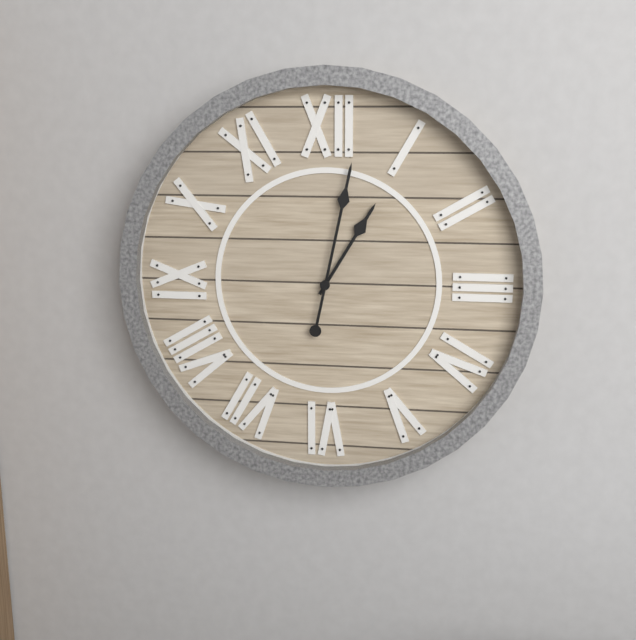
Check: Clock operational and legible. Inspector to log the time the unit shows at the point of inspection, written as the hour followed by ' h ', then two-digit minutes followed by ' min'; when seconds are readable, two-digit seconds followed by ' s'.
1 h 02 min
